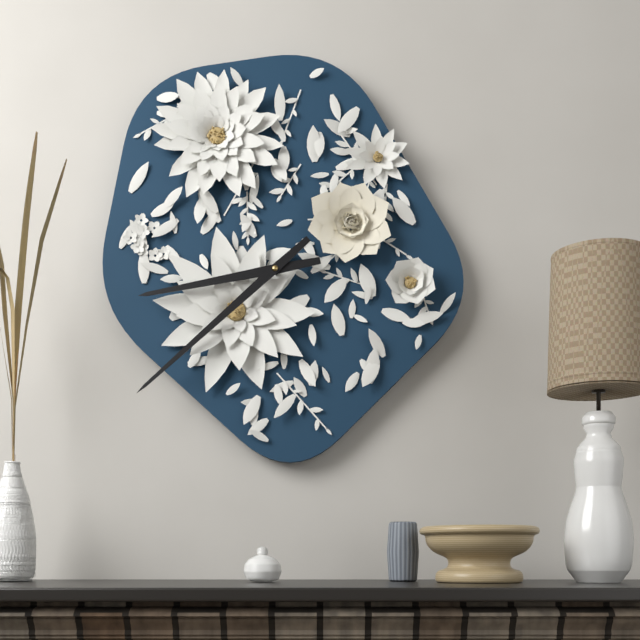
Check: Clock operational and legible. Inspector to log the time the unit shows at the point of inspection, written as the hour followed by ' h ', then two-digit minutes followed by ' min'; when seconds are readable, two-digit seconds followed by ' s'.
8 h 38 min
